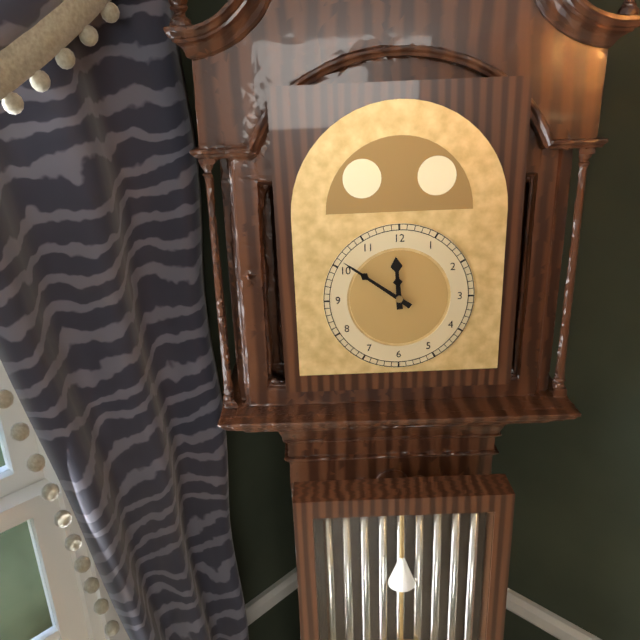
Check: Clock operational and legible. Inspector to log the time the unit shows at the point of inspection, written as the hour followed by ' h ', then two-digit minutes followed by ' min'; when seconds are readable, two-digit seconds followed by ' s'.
11 h 51 min
